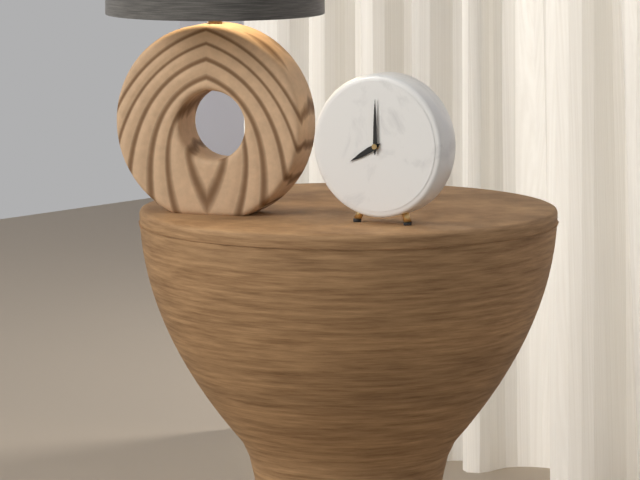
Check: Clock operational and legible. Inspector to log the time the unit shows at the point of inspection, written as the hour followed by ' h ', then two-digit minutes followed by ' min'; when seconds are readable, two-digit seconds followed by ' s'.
8 h 00 min
